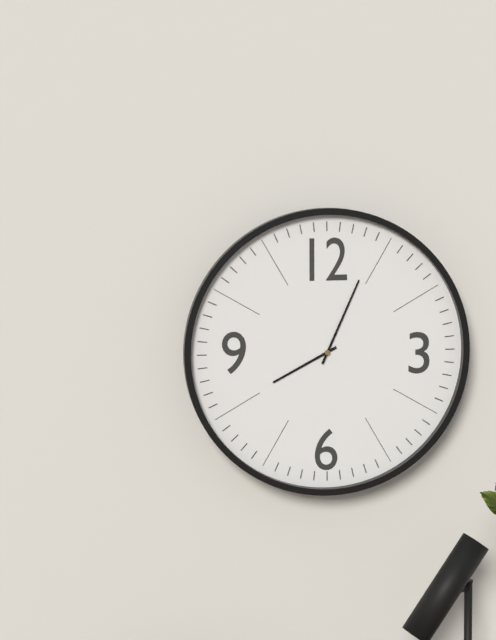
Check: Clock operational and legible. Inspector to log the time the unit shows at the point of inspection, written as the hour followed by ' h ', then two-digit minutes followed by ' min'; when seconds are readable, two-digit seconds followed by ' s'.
8 h 04 min
